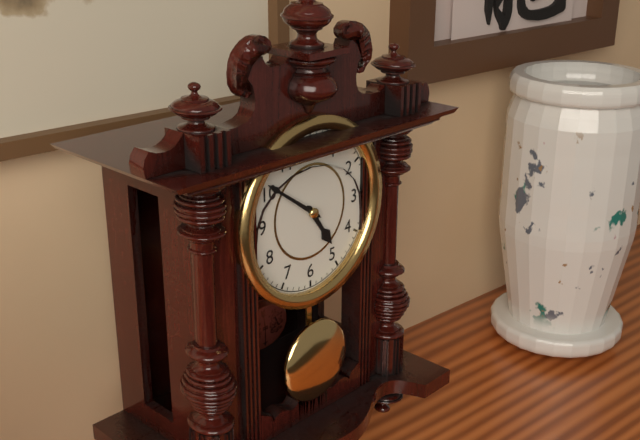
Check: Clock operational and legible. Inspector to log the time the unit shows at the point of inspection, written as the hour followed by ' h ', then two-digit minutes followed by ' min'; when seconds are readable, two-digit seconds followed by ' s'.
4 h 51 min
